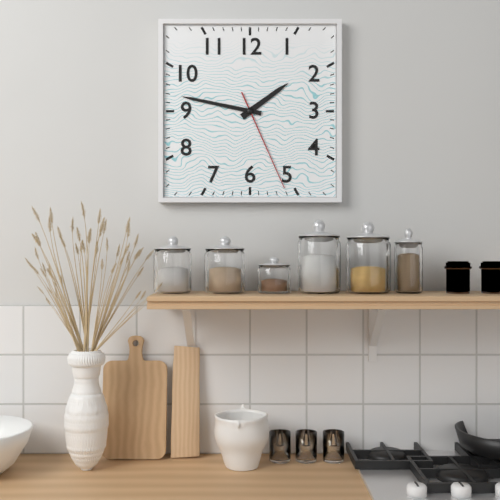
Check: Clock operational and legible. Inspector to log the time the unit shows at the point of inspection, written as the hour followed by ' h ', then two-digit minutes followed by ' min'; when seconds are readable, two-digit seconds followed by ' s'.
1 h 47 min 26 s
